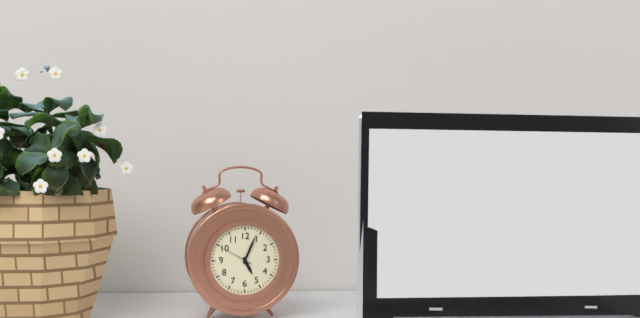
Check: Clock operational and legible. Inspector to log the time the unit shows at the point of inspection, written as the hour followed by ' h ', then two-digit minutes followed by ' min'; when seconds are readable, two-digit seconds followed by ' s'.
5 h 04 min
